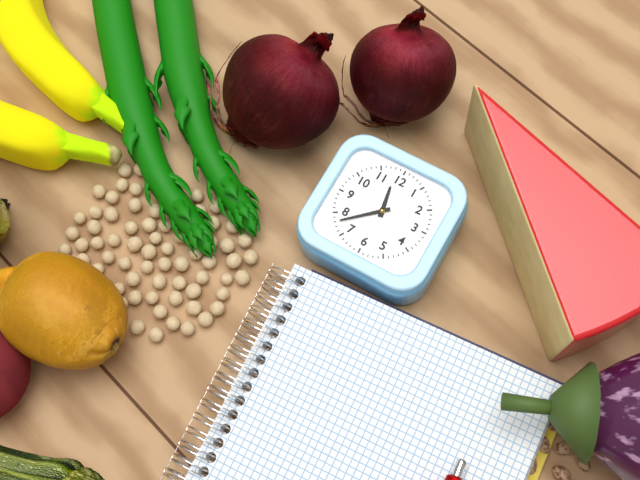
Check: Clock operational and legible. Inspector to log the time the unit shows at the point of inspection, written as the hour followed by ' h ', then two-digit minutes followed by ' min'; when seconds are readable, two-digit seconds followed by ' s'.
11 h 38 min
